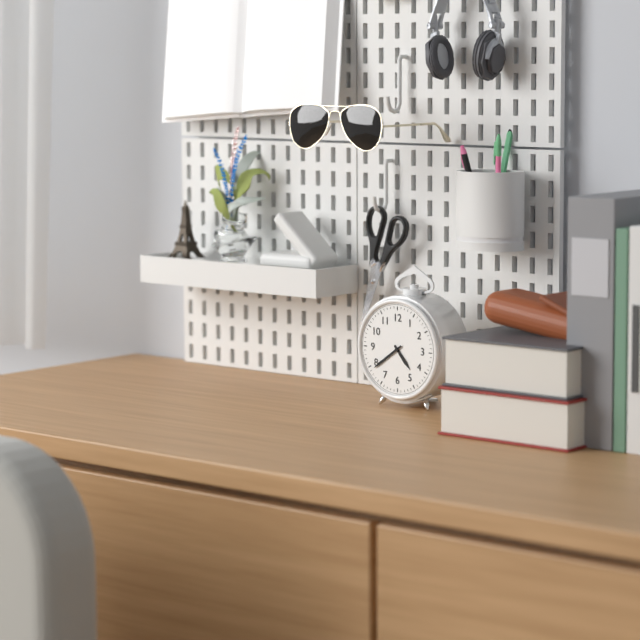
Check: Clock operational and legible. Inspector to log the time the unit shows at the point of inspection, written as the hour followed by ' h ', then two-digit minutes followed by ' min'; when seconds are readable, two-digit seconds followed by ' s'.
4 h 39 min
